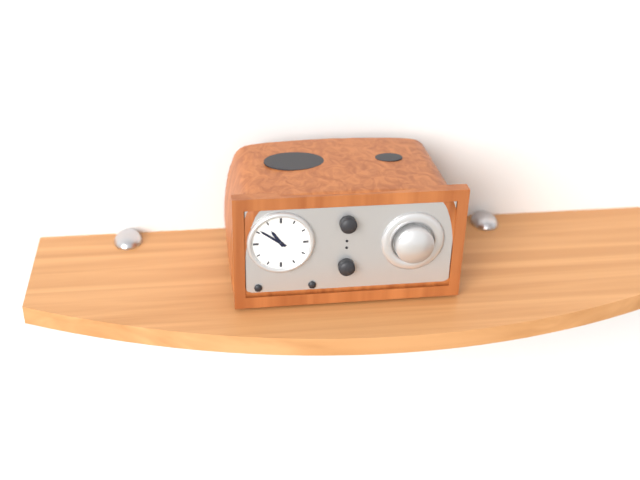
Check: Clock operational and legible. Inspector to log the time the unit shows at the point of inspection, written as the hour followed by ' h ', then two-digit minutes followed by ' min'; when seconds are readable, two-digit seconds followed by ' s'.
10 h 51 min
